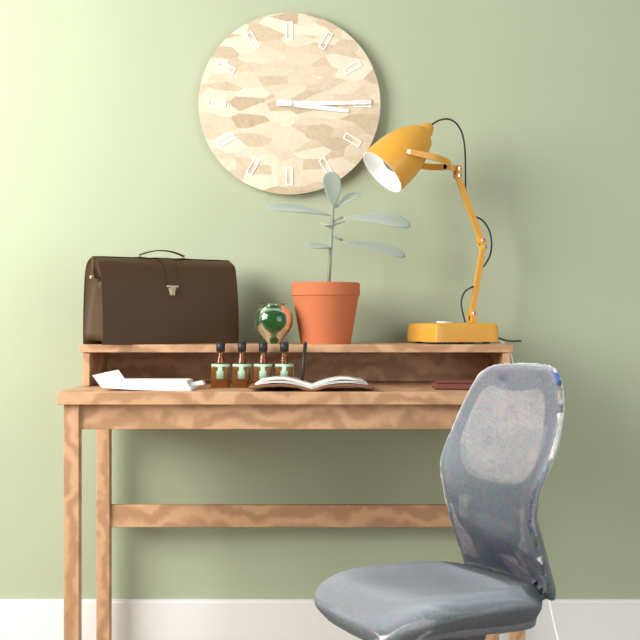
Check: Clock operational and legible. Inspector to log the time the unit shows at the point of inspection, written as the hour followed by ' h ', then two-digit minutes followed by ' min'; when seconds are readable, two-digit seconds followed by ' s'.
3 h 15 min
